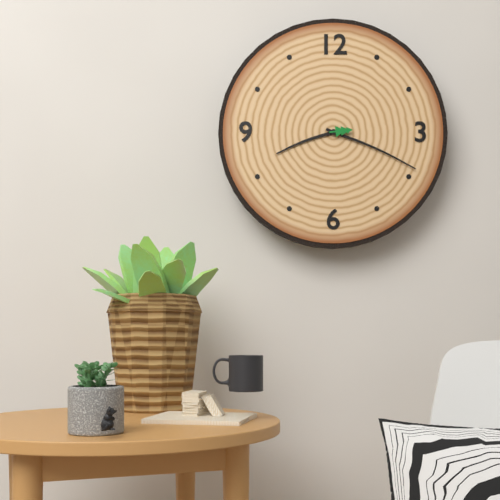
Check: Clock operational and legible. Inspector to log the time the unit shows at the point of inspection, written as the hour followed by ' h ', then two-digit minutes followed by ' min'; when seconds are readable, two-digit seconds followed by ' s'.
8 h 19 min
